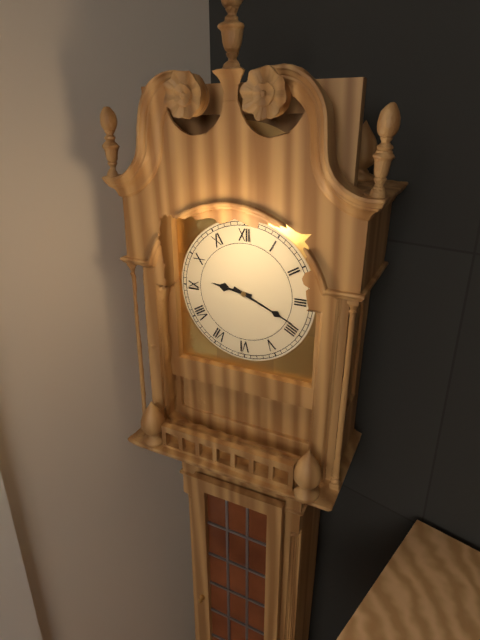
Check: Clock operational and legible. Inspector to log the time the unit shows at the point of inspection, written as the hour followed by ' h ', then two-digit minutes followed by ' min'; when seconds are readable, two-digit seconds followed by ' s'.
9 h 19 min
